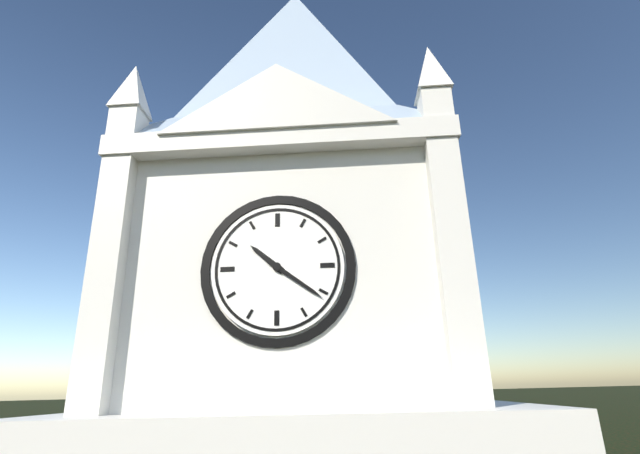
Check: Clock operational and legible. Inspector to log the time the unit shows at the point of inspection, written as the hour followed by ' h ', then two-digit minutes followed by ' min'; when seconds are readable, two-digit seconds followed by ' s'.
10 h 21 min
